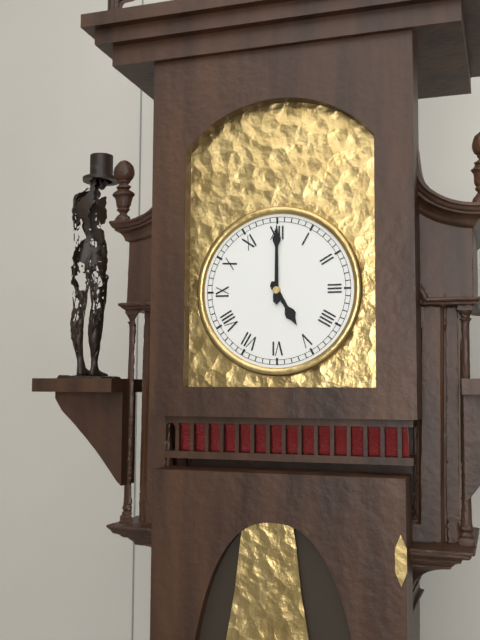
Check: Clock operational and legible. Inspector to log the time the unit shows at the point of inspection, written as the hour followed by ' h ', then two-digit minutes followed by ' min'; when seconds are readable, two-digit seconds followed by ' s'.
5 h 00 min
